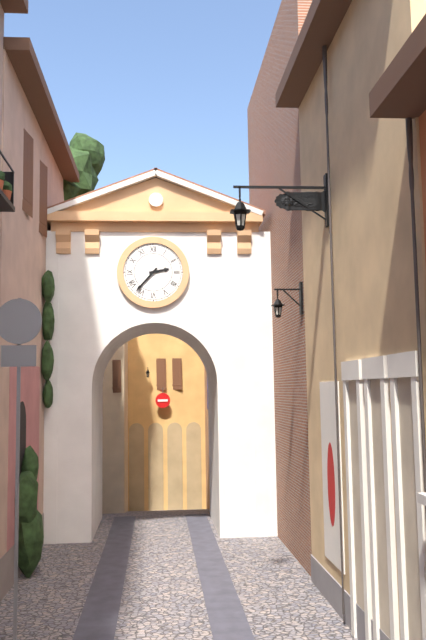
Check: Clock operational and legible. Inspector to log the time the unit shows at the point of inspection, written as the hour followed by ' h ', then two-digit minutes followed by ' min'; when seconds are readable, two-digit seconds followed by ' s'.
2 h 37 min
